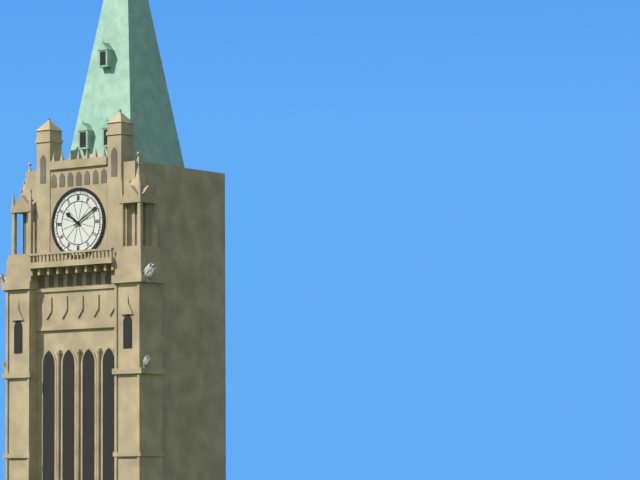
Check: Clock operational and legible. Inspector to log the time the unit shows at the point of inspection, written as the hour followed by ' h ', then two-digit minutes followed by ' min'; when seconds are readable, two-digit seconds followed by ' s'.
10 h 10 min
